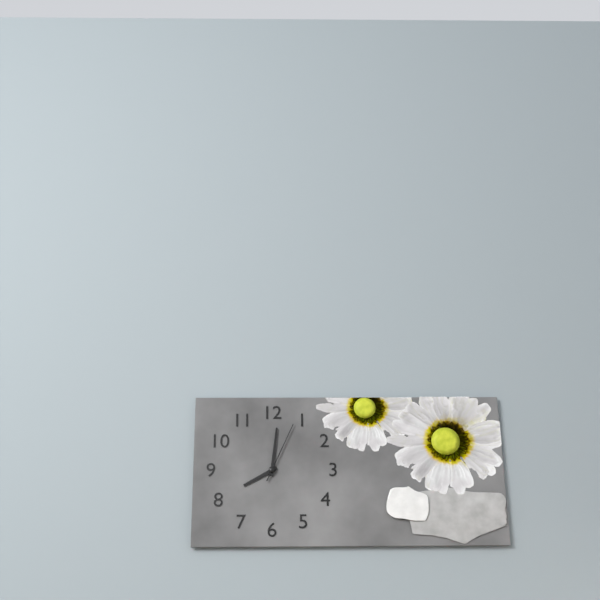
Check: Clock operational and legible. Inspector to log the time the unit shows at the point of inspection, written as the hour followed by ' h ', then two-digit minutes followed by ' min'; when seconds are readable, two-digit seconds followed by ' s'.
8 h 01 min 04 s
